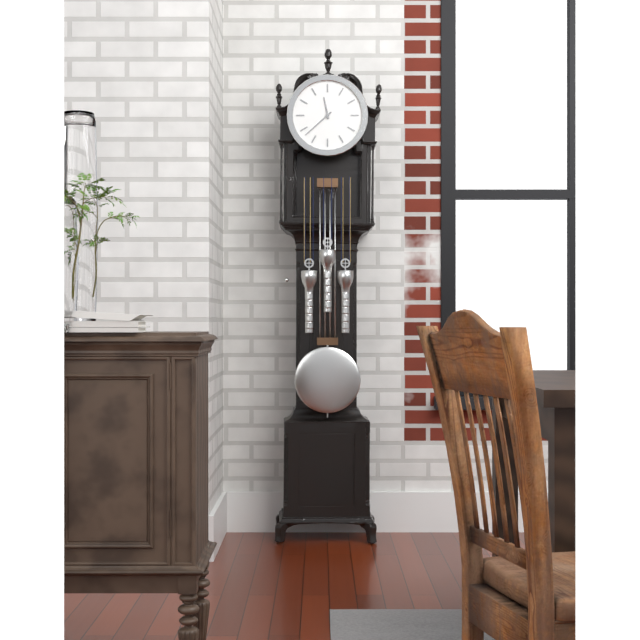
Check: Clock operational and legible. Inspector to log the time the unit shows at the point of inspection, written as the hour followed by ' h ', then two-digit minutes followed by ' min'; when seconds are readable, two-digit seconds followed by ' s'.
11 h 38 min
